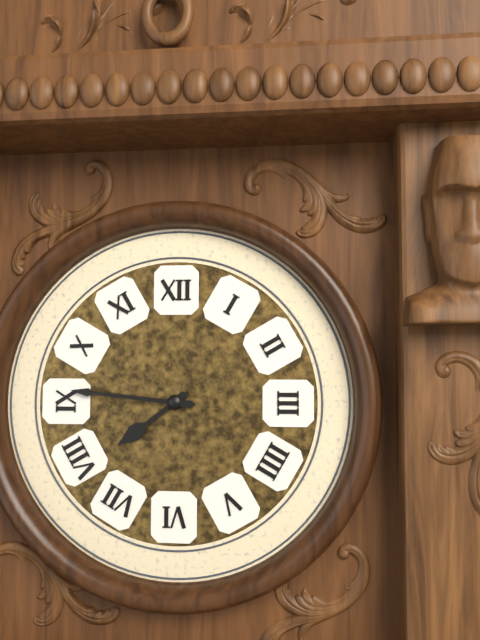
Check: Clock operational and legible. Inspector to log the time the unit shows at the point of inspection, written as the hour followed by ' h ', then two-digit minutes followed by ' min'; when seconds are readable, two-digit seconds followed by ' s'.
7 h 46 min
